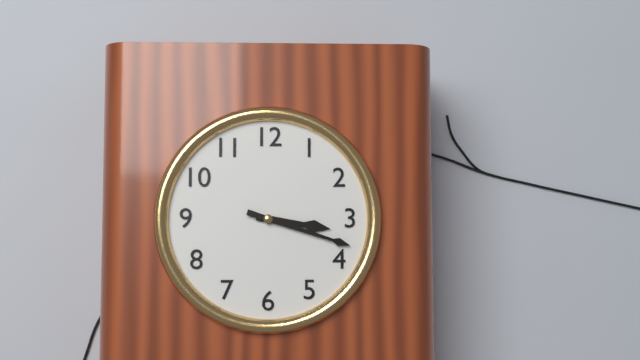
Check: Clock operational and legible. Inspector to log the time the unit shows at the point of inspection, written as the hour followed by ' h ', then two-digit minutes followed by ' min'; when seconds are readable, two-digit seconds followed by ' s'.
3 h 18 min
